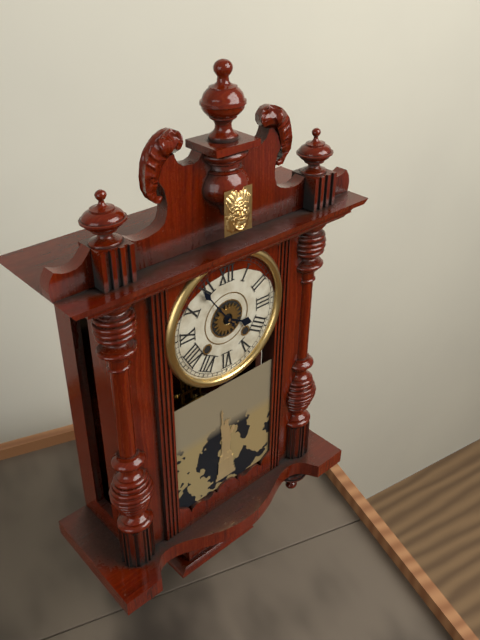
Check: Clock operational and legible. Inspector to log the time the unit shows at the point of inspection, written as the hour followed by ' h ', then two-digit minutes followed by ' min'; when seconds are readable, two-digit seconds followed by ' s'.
3 h 54 min
